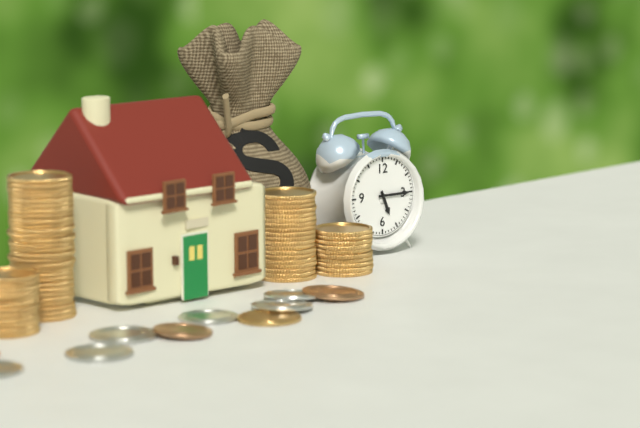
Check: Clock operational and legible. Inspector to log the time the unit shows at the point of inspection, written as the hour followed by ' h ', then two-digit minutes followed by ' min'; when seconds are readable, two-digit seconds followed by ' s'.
5 h 15 min
